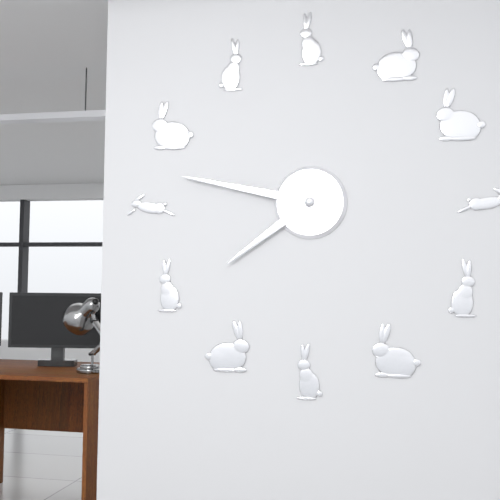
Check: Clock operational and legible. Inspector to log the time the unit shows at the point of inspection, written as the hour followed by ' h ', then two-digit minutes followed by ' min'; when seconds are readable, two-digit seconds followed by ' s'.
7 h 47 min
